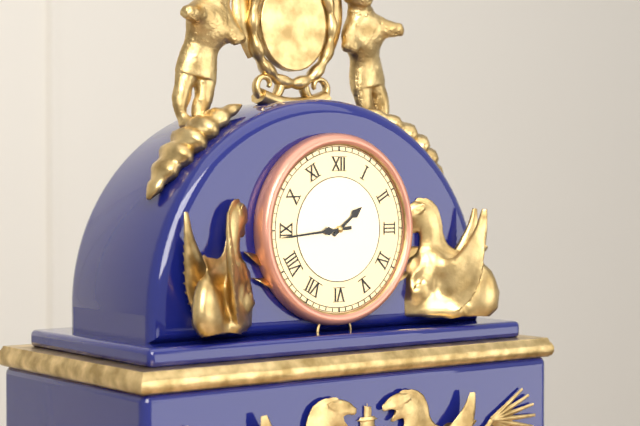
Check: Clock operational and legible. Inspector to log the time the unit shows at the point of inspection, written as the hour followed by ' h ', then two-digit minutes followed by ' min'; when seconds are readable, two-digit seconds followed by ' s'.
1 h 44 min
